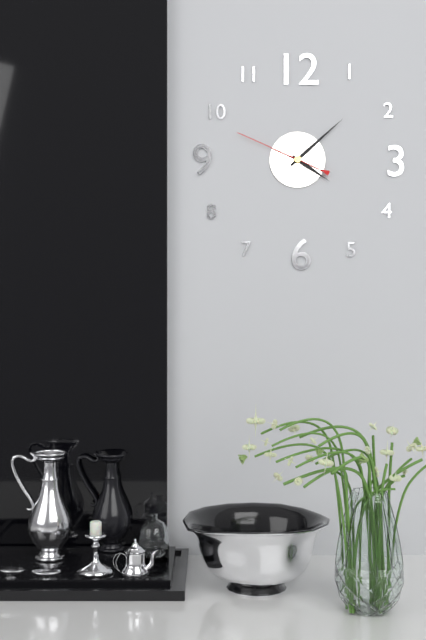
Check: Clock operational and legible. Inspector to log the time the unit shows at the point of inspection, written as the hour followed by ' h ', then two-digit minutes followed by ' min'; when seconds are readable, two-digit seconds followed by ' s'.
4 h 08 min 49 s
